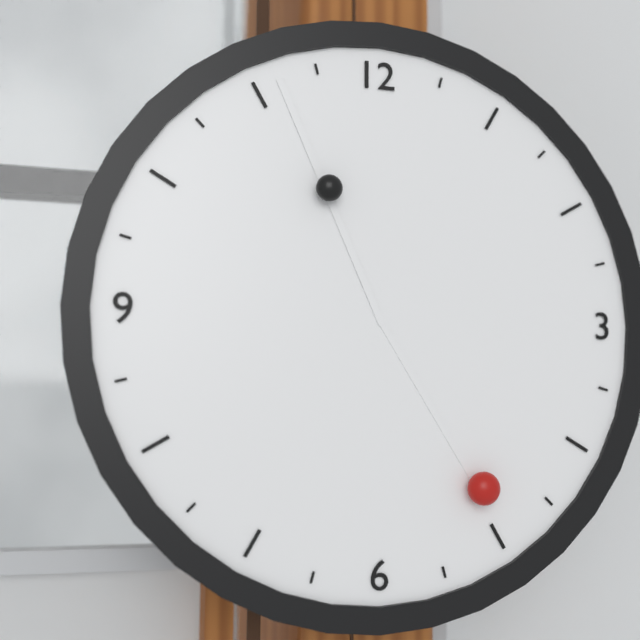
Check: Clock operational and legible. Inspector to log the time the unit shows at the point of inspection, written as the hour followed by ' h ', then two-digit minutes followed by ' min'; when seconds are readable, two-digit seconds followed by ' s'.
4 h 56 min
